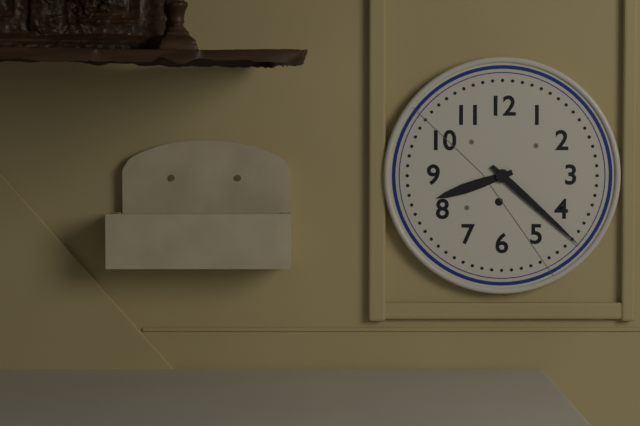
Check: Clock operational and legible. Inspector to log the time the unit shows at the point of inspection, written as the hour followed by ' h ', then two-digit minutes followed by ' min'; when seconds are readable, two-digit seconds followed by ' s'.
8 h 22 min
